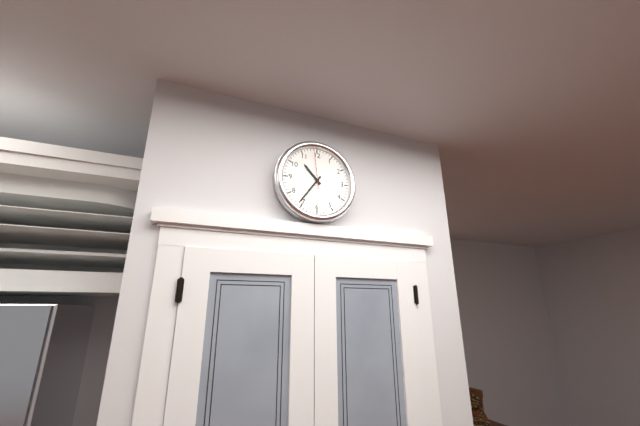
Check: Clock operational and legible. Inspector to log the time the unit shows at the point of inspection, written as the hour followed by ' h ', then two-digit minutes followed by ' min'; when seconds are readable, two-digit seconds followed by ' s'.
10 h 36 min
